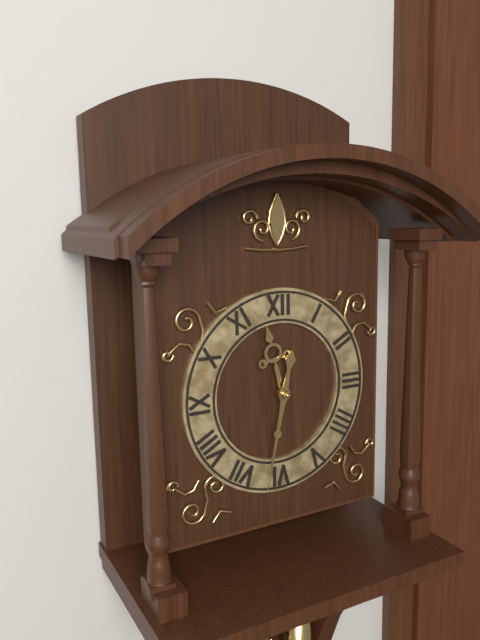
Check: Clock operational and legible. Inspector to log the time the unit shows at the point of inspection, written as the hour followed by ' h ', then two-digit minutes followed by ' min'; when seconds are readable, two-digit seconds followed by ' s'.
11 h 32 min
